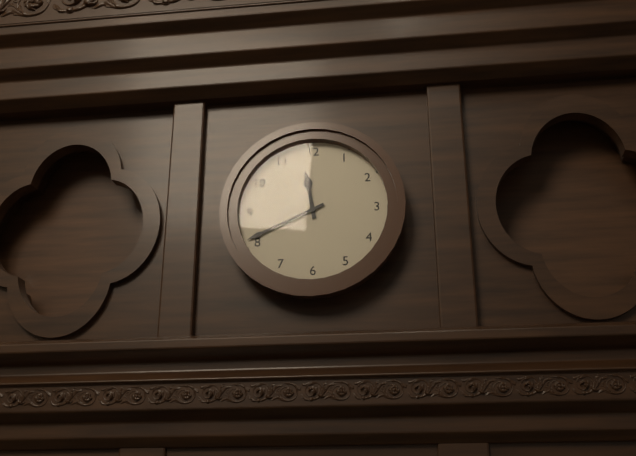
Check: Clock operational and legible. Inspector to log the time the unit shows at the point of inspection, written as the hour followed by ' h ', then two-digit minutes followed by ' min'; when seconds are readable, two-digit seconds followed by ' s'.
11 h 41 min
